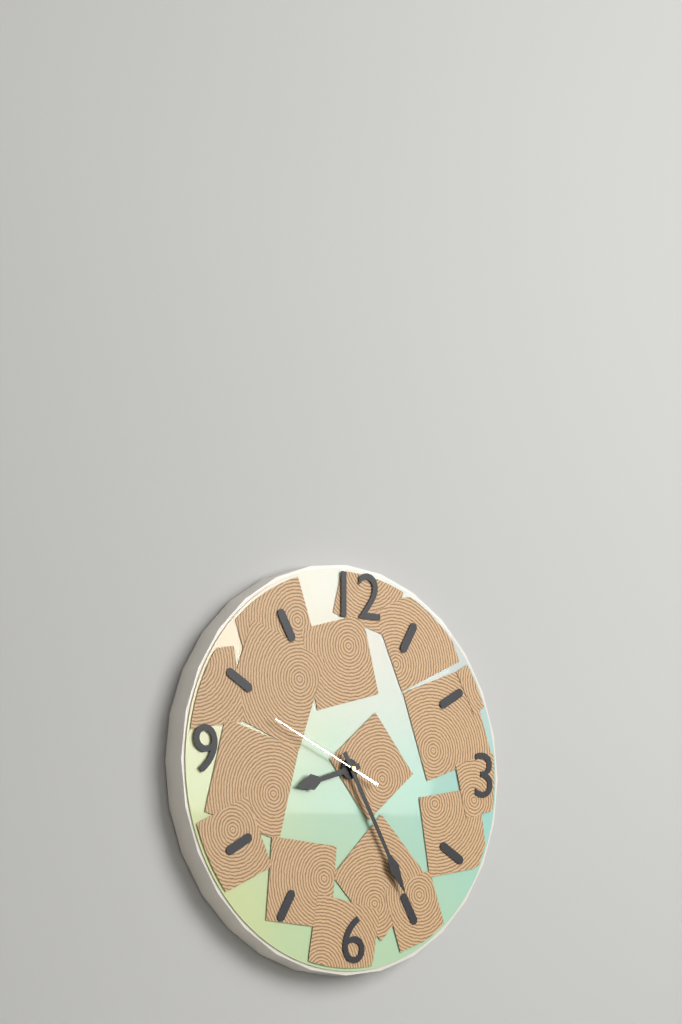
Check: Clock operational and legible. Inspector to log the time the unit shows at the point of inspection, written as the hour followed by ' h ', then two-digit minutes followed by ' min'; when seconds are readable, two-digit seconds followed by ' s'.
8 h 25 min 49 s
